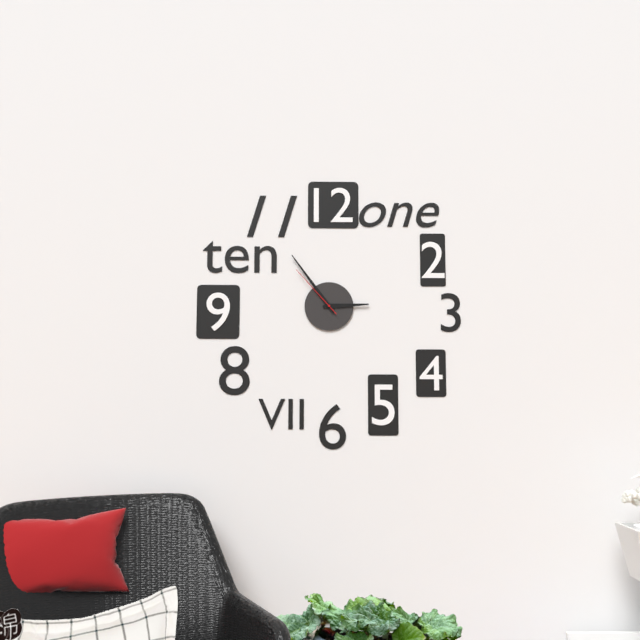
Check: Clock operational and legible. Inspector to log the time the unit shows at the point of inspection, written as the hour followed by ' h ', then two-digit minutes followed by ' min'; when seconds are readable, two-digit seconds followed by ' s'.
2 h 54 min 53 s
